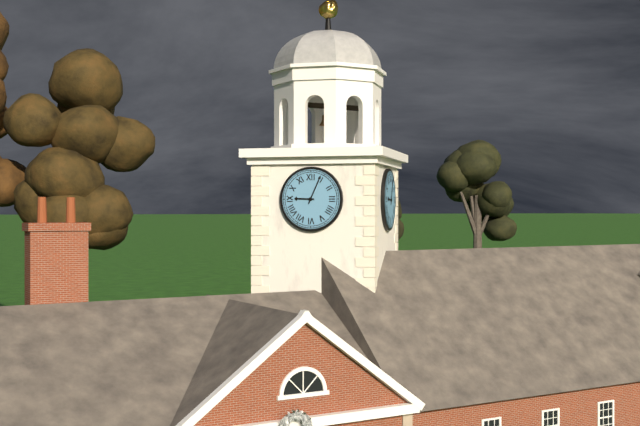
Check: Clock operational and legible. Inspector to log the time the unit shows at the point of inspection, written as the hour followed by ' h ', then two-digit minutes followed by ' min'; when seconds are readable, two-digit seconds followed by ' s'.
9 h 04 min
